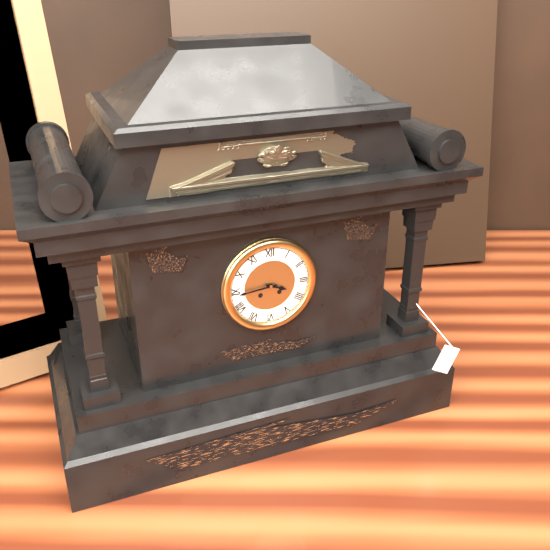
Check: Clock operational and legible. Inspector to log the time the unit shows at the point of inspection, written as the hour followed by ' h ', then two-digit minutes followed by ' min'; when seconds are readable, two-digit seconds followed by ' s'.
3 h 44 min
